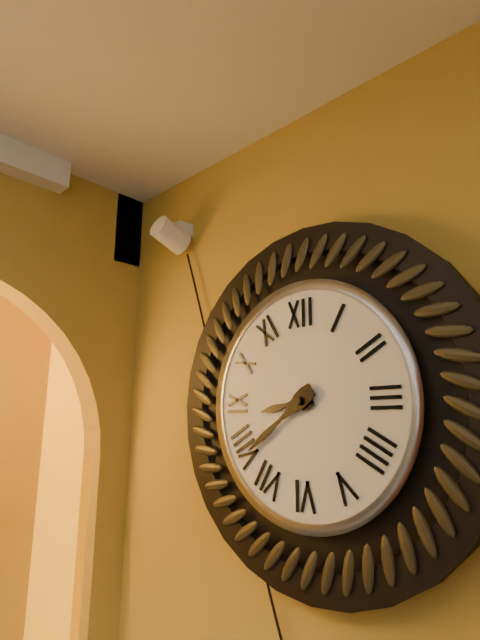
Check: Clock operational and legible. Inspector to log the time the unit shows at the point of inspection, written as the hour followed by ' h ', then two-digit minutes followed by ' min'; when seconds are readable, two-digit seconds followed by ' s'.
8 h 39 min
